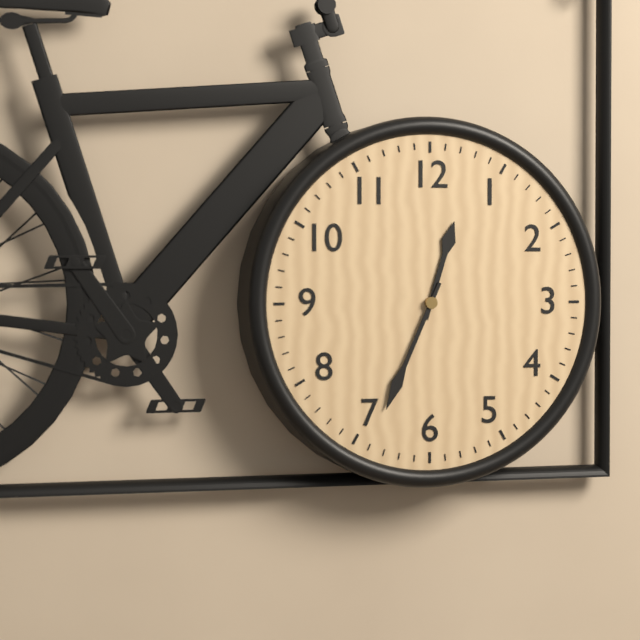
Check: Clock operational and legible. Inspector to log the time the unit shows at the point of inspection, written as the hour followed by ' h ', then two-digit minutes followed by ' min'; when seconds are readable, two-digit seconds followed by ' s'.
12 h 34 min
